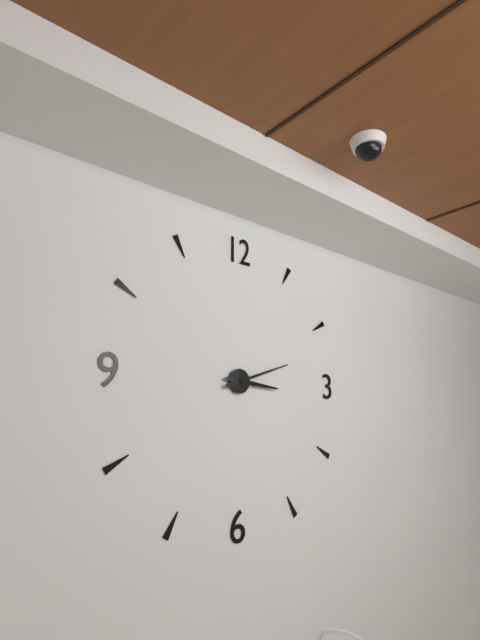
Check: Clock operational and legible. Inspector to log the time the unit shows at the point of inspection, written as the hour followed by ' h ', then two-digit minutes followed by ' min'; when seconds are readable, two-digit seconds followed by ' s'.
3 h 12 min
